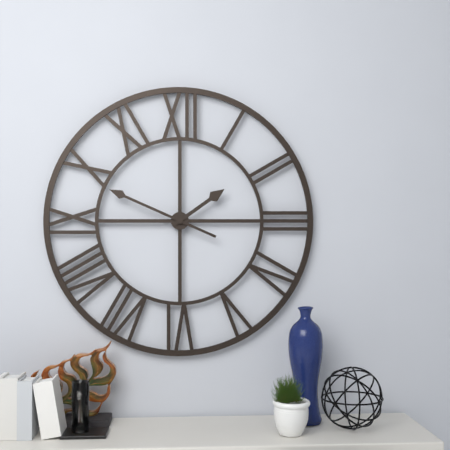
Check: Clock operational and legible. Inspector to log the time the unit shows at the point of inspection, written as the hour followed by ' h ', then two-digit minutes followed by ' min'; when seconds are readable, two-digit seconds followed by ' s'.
1 h 49 min
